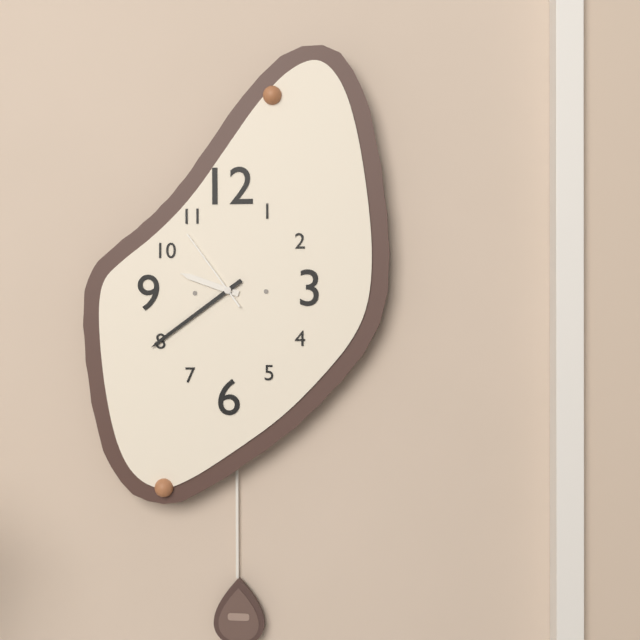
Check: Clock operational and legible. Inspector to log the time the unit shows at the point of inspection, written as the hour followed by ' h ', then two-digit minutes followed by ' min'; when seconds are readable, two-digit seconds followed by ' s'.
9 h 39 min 54 s
